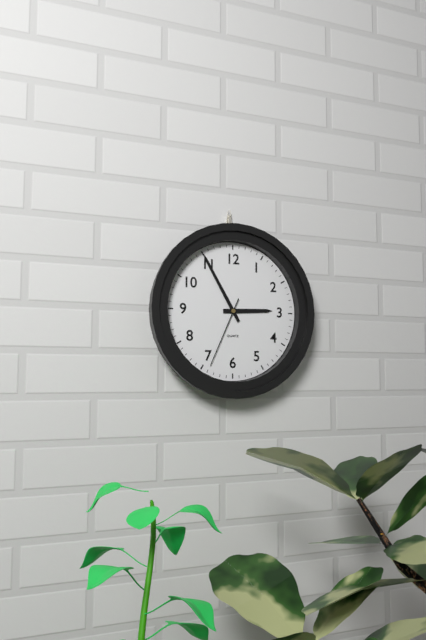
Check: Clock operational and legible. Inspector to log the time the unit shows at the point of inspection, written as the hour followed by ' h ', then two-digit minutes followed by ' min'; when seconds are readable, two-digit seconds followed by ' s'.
2 h 55 min 34 s
